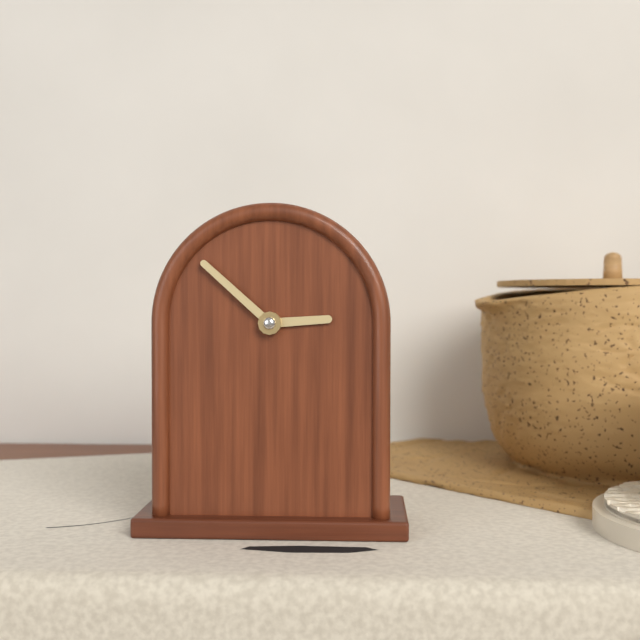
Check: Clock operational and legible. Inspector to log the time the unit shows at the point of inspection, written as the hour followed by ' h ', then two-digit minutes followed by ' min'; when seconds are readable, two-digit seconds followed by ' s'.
2 h 52 min
